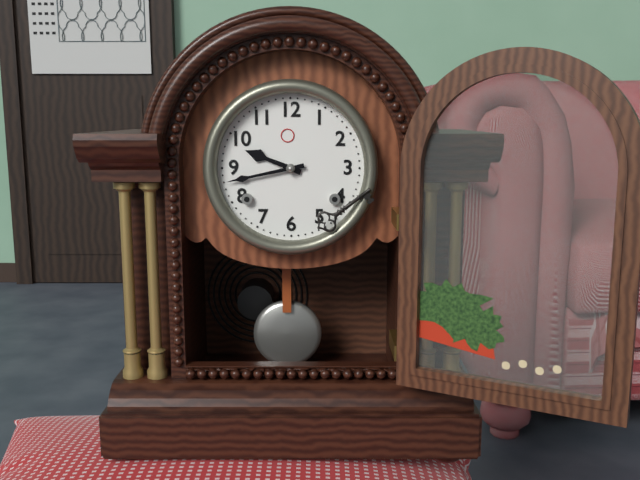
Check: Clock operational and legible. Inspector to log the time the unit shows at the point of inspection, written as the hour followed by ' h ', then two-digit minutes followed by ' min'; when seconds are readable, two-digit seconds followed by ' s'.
9 h 43 min
